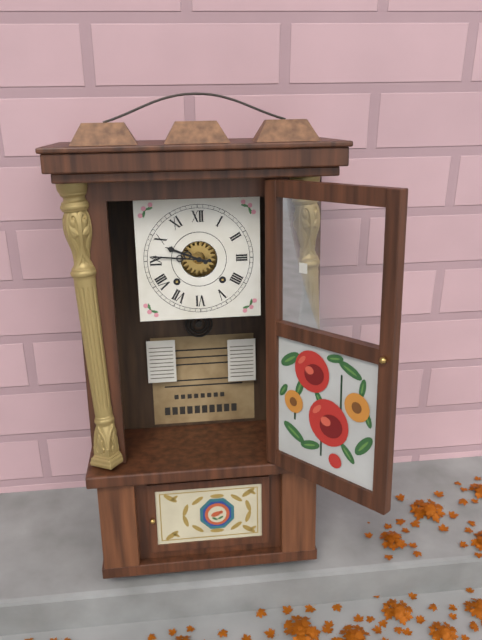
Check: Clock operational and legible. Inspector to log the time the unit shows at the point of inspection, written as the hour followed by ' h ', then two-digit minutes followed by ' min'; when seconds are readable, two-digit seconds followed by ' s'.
9 h 46 min
